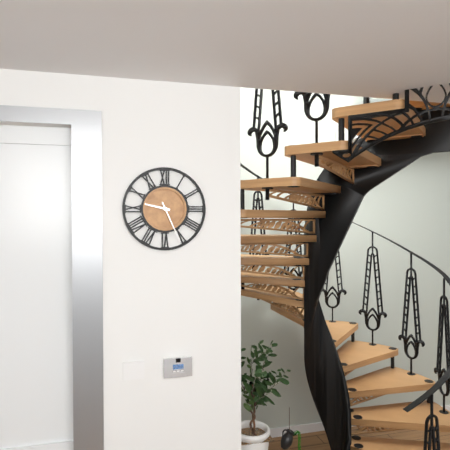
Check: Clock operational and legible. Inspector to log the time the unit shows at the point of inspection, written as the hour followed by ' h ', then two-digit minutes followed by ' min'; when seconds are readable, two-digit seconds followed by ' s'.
9 h 26 min
